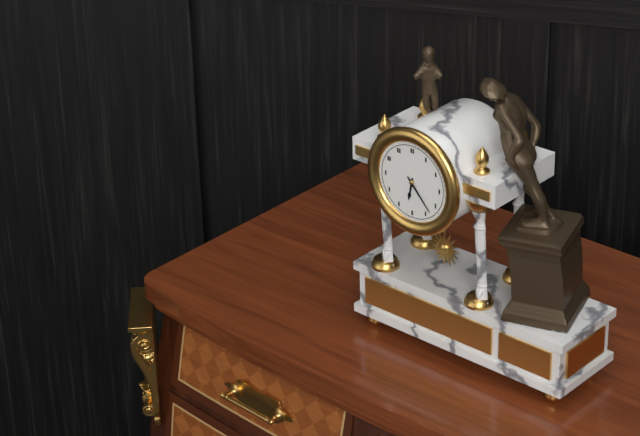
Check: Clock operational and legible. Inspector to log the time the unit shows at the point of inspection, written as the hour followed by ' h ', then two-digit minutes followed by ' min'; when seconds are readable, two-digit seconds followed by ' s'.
6 h 23 min
